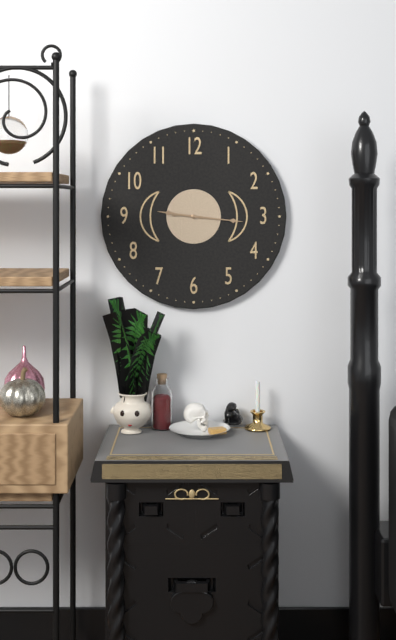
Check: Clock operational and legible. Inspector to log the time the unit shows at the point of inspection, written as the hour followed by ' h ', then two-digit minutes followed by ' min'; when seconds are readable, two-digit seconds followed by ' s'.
9 h 16 min
